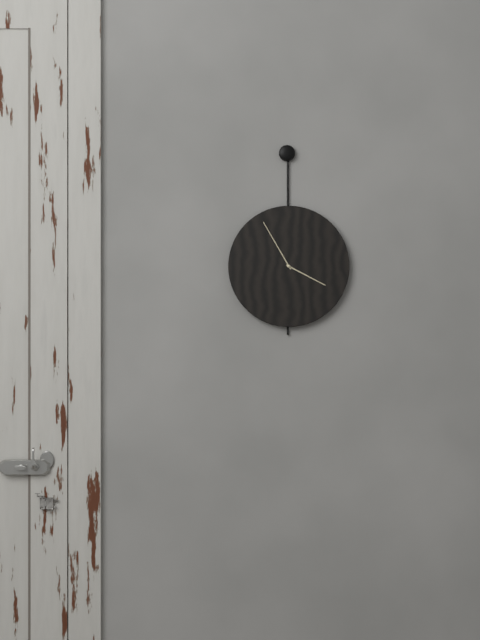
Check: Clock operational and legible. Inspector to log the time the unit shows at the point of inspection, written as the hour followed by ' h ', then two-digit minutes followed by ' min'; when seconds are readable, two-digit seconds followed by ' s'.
3 h 55 min
